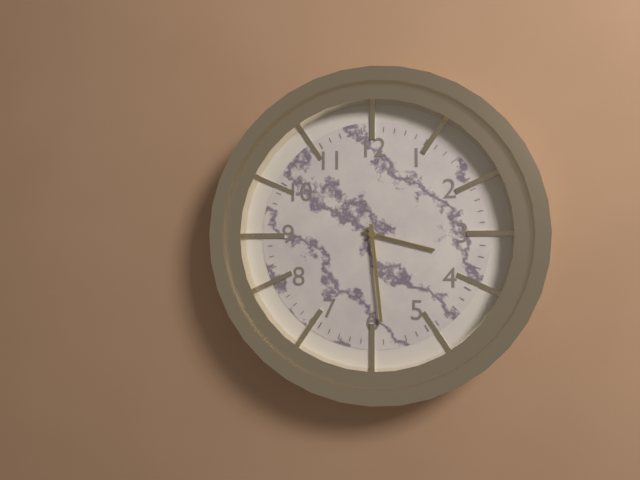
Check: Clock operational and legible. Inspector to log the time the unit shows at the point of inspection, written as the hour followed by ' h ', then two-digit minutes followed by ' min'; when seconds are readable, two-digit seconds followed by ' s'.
3 h 29 min
